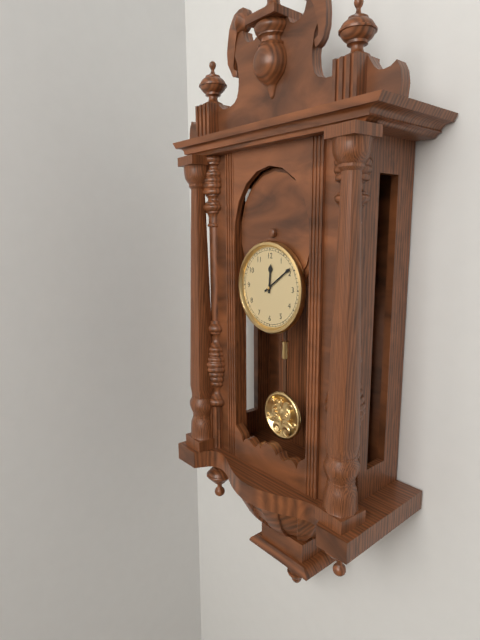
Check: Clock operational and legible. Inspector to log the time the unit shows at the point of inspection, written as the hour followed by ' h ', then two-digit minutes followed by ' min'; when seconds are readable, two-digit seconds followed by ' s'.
12 h 09 min
